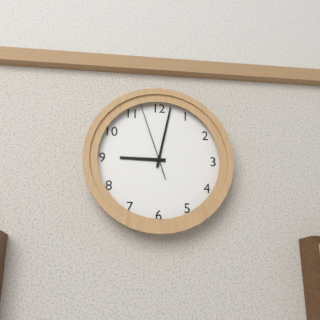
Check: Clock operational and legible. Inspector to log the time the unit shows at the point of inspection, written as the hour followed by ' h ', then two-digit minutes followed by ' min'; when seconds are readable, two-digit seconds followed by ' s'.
9 h 02 min 57 s
